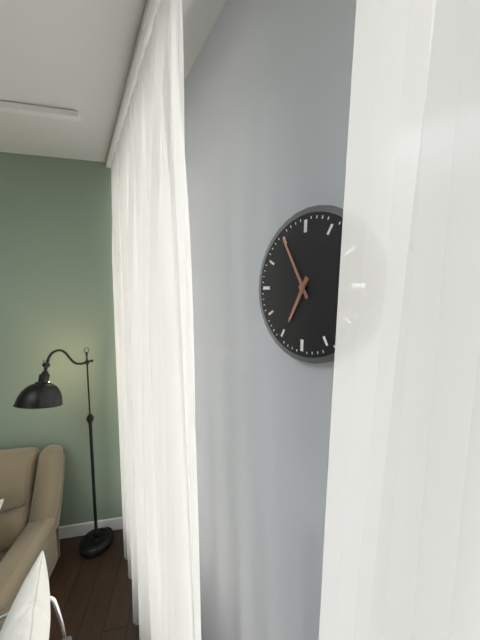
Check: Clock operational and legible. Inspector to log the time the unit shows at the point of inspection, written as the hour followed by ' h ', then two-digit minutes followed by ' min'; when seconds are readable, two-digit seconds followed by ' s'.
6 h 55 min
